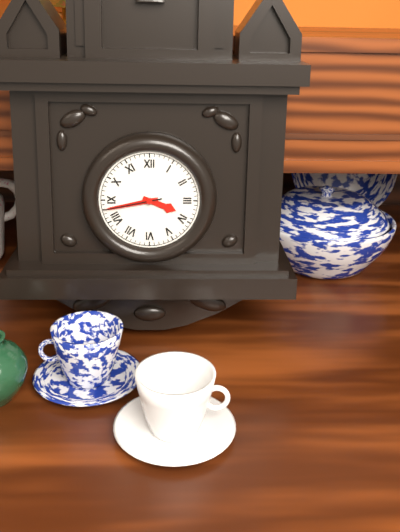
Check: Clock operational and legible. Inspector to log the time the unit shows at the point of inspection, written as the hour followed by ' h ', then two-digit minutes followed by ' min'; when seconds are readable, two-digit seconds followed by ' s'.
3 h 43 min 43 s
